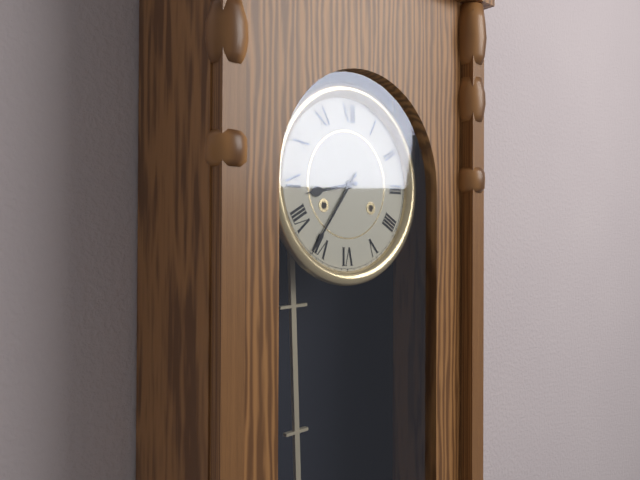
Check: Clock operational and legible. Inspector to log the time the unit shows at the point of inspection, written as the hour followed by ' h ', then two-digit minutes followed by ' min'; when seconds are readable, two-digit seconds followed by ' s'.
8 h 36 min
